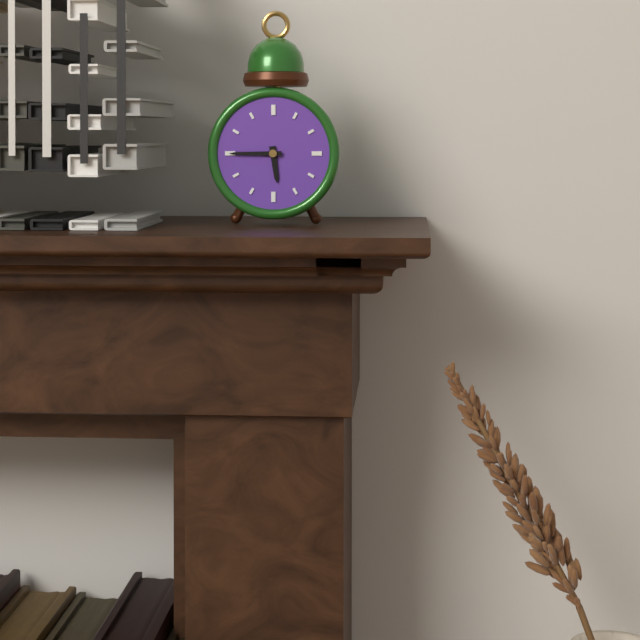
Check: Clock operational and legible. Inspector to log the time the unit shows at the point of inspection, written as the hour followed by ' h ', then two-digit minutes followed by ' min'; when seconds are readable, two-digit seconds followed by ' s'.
5 h 45 min
